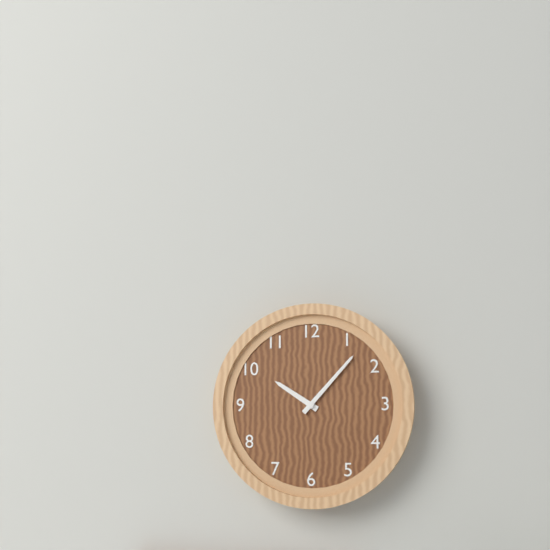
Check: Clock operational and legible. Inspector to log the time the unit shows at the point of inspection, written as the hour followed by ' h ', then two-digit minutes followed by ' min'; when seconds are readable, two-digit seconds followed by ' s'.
10 h 07 min
